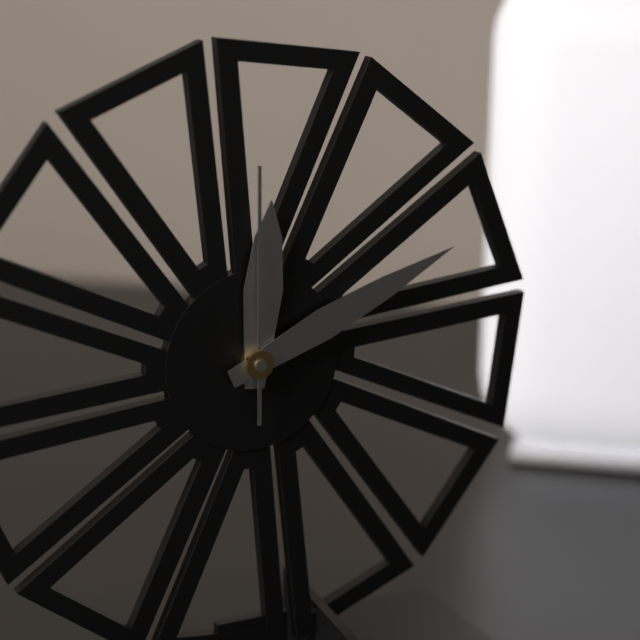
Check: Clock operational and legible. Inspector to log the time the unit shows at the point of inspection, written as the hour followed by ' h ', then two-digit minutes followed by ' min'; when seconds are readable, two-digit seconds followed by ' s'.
12 h 11 min 00 s
